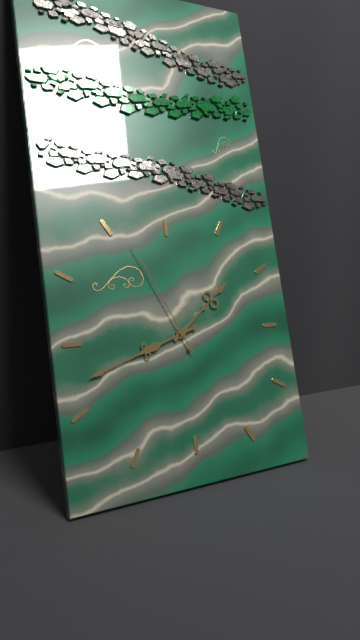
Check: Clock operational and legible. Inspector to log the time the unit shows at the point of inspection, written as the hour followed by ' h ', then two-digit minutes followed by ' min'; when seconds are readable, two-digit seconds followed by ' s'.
1 h 42 min 56 s
